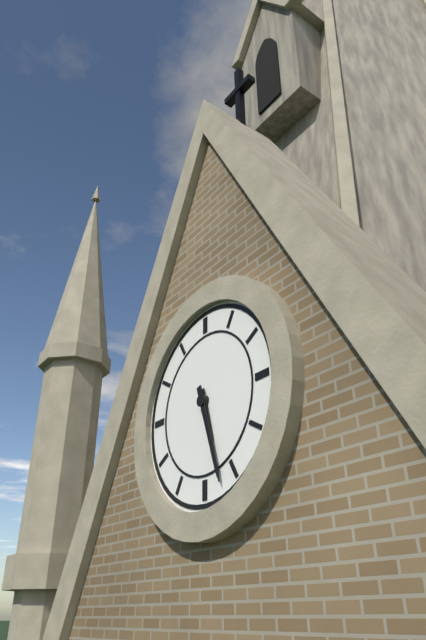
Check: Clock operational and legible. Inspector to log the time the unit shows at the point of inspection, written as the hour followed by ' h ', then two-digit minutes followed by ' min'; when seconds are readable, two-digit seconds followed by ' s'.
5 h 27 min
